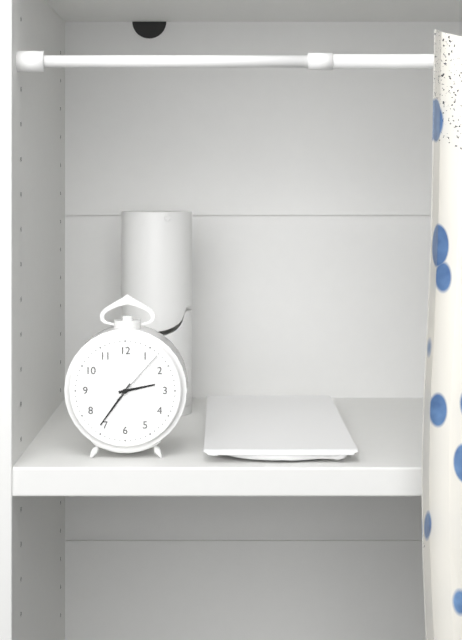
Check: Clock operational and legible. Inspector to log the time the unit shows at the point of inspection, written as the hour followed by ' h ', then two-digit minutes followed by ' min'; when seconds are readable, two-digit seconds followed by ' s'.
2 h 36 min 07 s
